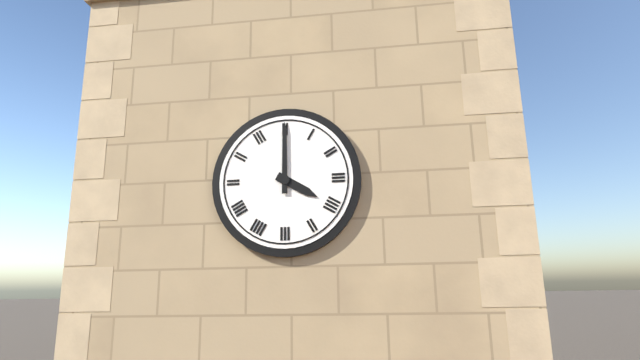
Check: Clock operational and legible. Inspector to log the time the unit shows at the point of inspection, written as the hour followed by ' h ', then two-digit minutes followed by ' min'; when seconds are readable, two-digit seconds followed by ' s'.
4 h 00 min
